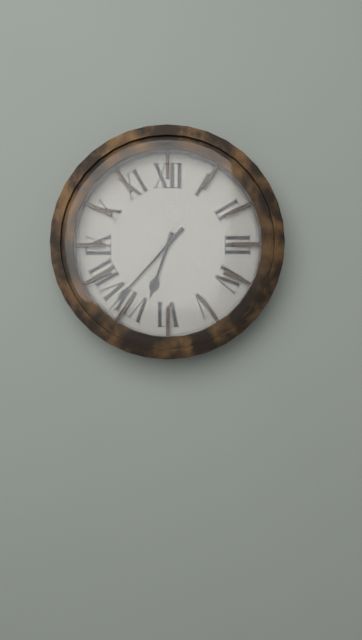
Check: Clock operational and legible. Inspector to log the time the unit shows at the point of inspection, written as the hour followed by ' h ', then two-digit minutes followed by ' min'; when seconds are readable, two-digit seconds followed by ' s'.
6 h 37 min
